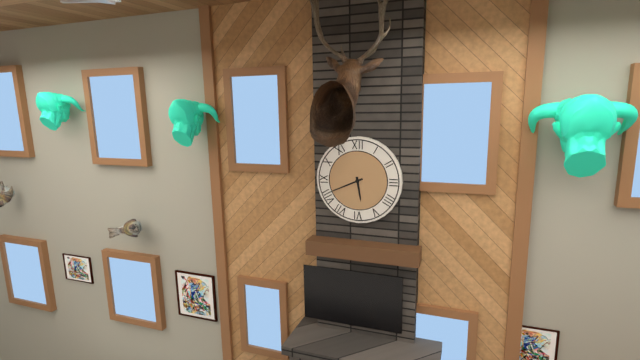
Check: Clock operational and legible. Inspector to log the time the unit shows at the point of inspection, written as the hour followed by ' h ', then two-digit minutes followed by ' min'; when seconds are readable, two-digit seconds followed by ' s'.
5 h 41 min
